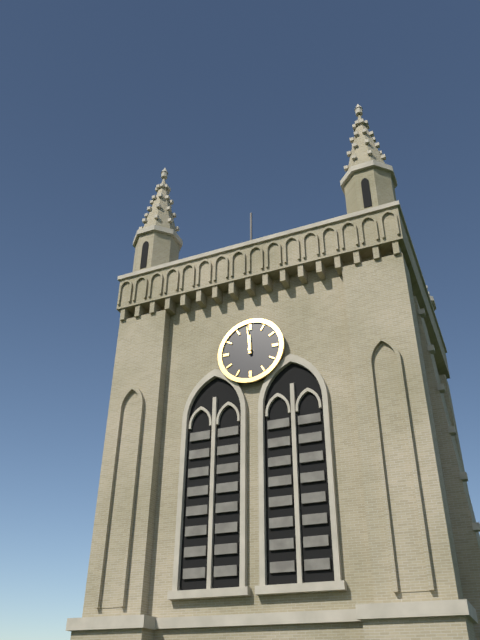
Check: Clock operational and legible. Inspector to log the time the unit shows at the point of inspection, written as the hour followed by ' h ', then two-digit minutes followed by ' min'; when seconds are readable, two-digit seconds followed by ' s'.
11 h 59 min
